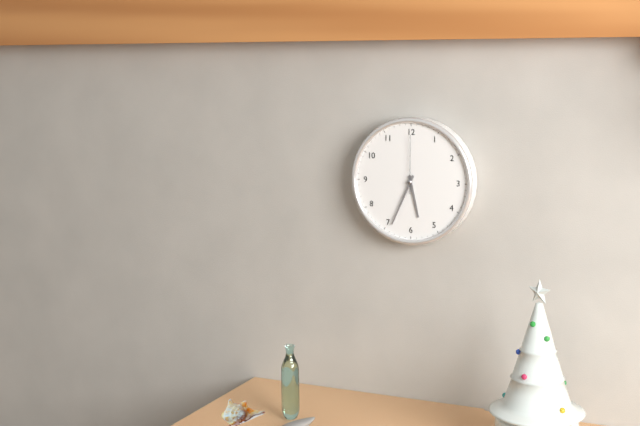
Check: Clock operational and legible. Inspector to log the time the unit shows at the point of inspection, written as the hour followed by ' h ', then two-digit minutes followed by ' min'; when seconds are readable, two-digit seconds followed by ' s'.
5 h 34 min 00 s
